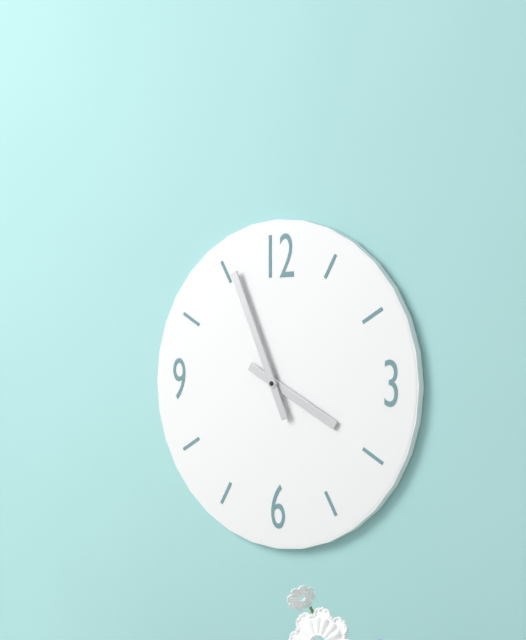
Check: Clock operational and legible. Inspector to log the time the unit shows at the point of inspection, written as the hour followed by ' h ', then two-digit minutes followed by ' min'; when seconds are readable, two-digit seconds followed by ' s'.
3 h 56 min
